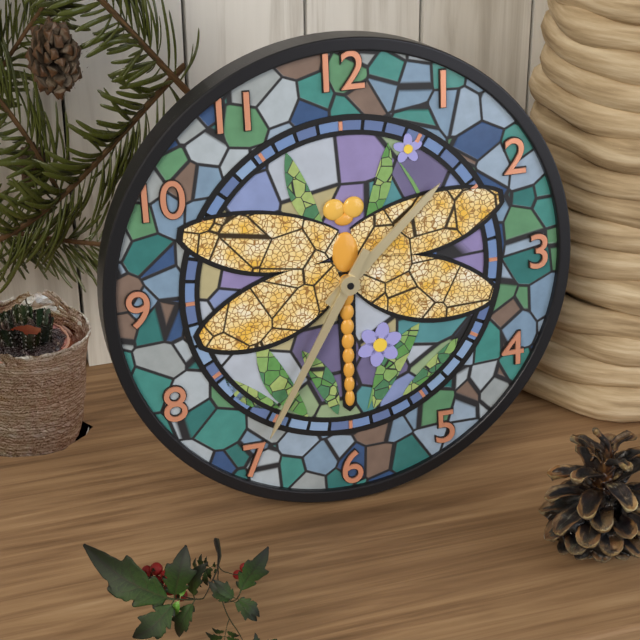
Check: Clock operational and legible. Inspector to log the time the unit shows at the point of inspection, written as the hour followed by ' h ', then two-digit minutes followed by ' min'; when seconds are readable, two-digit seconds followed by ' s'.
1 h 35 min
